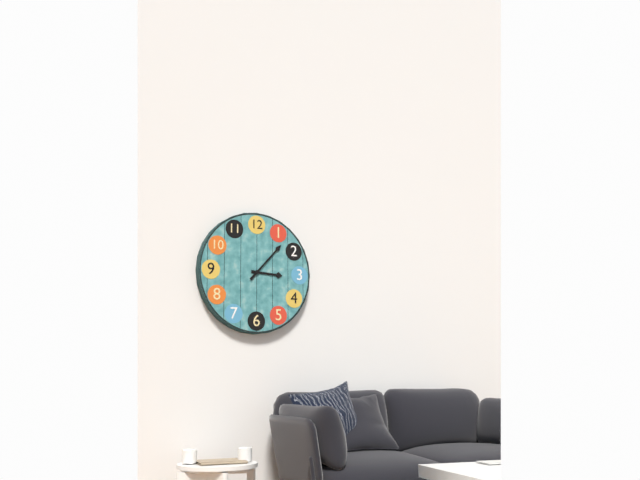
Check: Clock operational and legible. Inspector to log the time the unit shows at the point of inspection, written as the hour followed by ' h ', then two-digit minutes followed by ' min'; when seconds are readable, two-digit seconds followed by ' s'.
3 h 07 min
